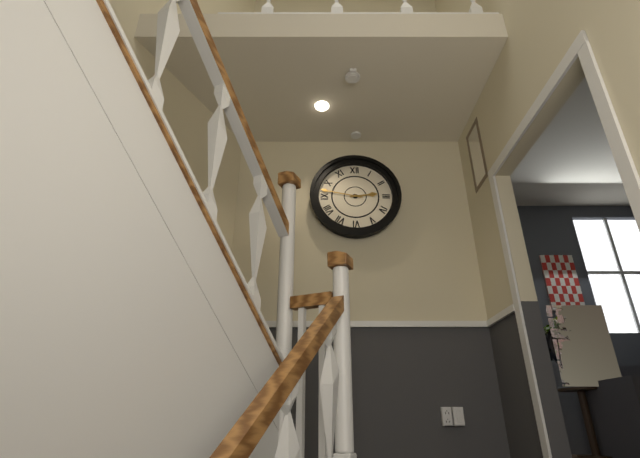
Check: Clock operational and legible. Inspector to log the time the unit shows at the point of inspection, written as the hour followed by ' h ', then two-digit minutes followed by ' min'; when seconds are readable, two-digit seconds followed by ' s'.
2 h 47 min
